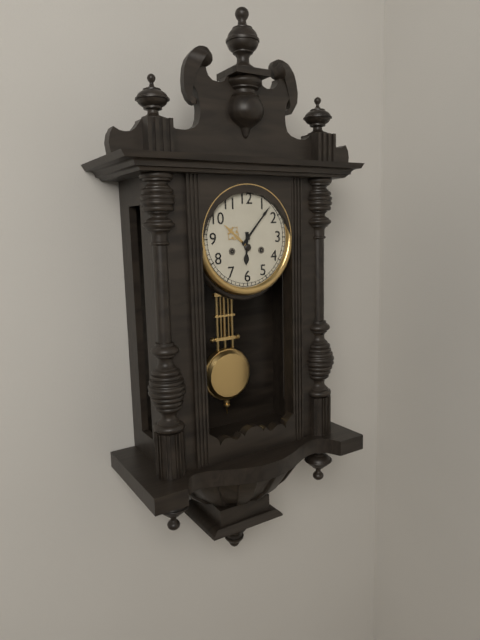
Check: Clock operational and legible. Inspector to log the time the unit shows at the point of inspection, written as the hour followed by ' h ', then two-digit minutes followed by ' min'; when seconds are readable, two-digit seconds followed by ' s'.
6 h 07 min
